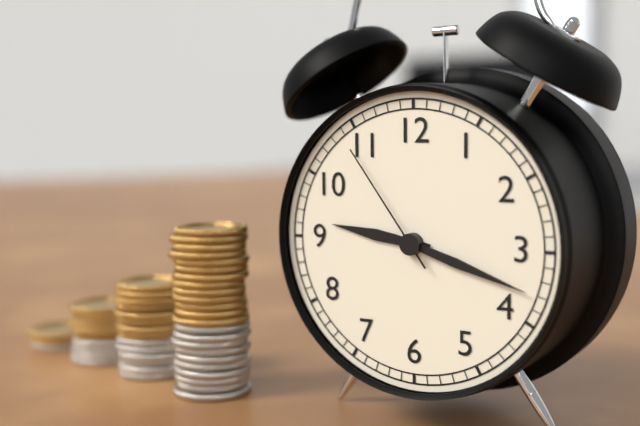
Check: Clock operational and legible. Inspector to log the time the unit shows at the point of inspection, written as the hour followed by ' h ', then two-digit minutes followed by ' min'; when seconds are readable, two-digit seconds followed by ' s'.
9 h 18 min 54 s
